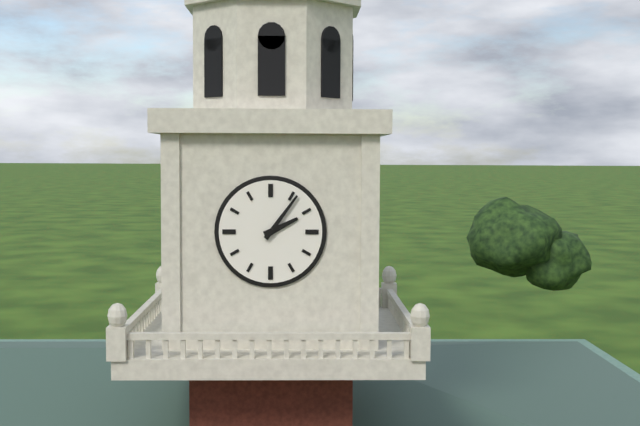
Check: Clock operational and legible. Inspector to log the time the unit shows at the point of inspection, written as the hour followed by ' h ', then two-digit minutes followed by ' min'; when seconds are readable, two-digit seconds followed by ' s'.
2 h 06 min
